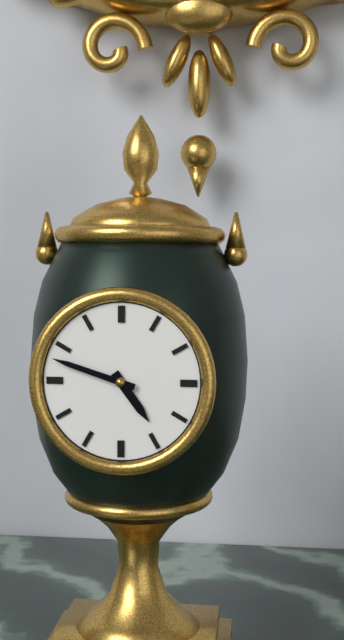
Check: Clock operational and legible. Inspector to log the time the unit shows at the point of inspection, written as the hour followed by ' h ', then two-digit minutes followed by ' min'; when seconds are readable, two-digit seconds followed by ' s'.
4 h 48 min
